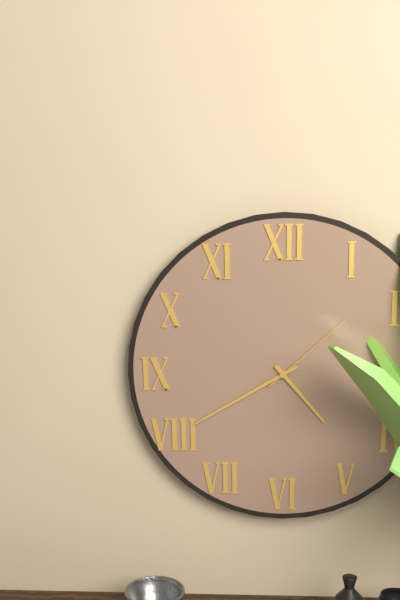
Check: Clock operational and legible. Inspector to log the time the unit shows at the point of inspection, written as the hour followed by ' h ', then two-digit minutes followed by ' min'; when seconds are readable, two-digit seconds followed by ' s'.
4 h 40 min 08 s
